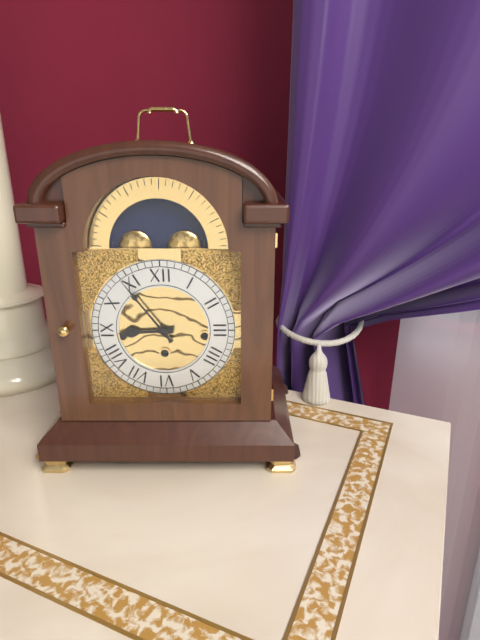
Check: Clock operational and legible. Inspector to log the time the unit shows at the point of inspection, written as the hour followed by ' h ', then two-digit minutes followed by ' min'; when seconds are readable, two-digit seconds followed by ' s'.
8 h 54 min
